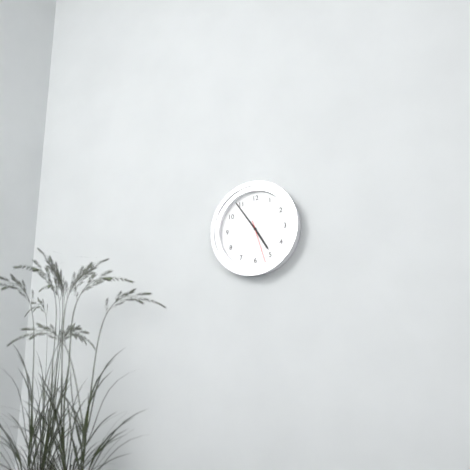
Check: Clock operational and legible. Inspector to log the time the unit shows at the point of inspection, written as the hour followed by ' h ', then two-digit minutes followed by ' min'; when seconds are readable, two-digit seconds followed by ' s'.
4 h 54 min
